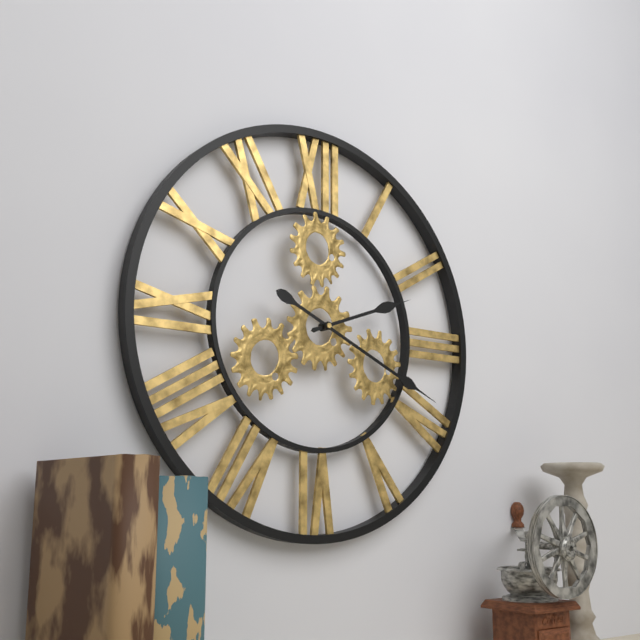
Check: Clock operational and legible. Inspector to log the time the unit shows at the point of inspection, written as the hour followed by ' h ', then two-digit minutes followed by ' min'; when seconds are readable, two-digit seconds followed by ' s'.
2 h 19 min
